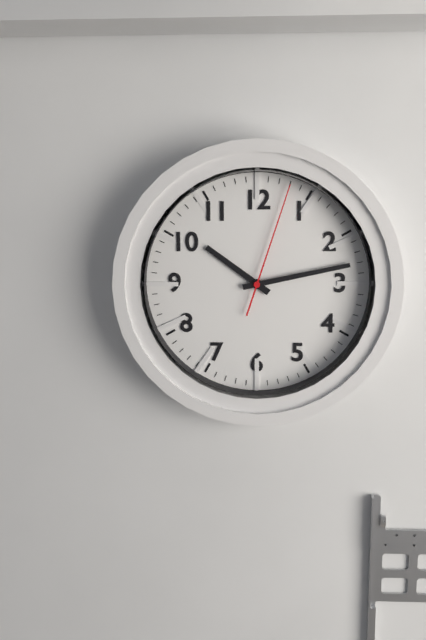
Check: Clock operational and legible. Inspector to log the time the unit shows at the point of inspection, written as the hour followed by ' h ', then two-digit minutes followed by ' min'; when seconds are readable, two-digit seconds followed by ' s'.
10 h 13 min 03 s
